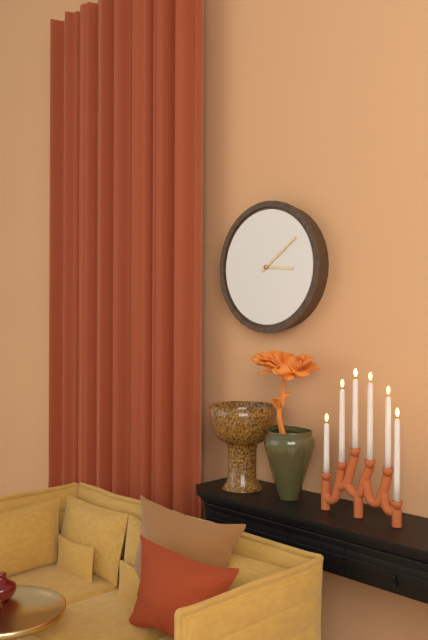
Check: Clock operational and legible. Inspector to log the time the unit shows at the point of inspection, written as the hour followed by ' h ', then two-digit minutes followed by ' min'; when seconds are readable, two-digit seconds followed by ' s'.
3 h 09 min
